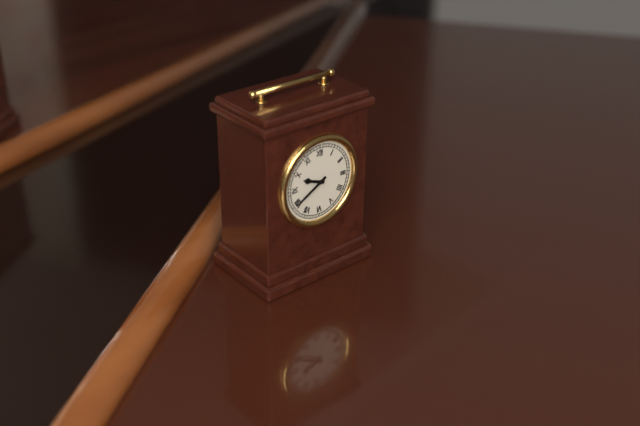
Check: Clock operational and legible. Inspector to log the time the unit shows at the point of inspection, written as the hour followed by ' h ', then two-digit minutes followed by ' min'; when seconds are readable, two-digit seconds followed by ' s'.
9 h 40 min
